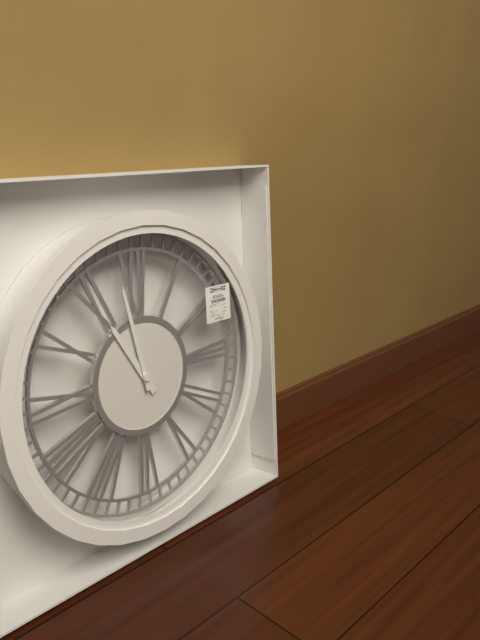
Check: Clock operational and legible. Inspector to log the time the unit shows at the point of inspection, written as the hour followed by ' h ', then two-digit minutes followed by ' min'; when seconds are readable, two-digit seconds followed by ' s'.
10 h 58 min
